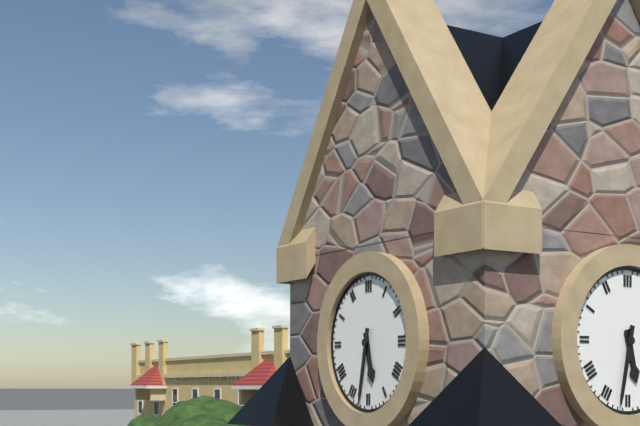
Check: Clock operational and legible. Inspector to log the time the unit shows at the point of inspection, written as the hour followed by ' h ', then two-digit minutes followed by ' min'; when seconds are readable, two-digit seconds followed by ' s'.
5 h 32 min
